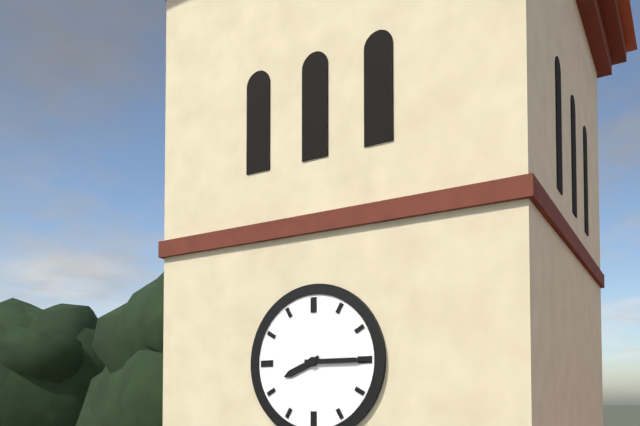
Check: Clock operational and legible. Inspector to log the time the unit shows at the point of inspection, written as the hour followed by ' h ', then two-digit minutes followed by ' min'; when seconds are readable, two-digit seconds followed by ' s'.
8 h 15 min
